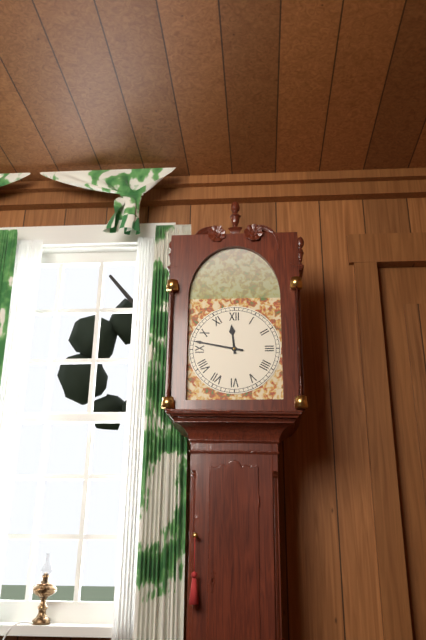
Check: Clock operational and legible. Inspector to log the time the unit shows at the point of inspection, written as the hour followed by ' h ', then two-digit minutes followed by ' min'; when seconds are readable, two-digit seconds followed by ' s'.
11 h 47 min
